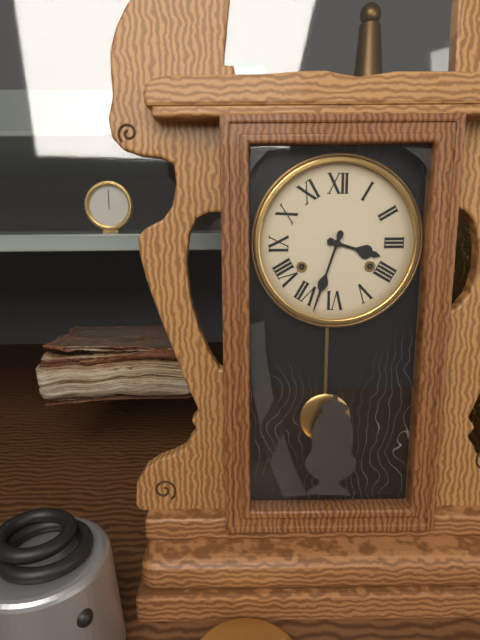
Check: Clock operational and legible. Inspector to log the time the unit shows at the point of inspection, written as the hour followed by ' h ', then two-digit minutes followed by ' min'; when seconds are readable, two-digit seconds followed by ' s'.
3 h 33 min
